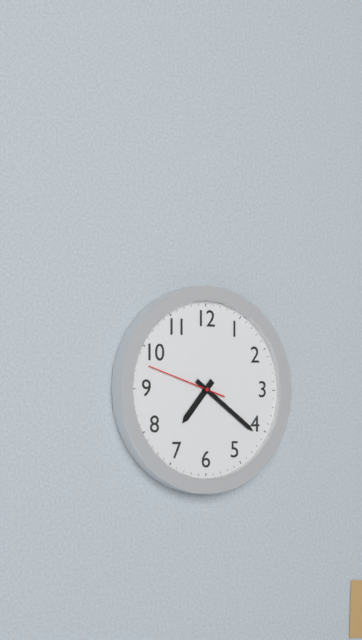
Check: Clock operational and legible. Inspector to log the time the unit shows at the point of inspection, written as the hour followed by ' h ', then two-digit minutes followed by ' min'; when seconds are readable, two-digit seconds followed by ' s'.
7 h 21 min 48 s
